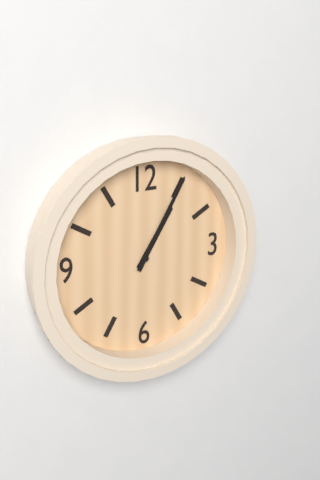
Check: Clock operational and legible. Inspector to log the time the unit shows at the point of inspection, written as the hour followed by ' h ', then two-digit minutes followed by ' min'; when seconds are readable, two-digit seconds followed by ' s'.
1 h 05 min
